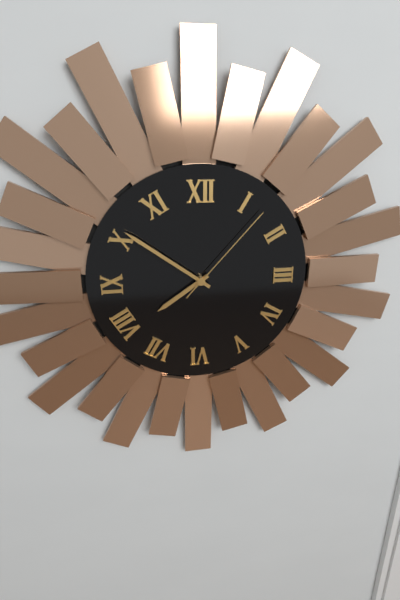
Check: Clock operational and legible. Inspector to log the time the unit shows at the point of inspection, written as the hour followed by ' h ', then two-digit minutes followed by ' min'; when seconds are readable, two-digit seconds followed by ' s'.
7 h 51 min 07 s
